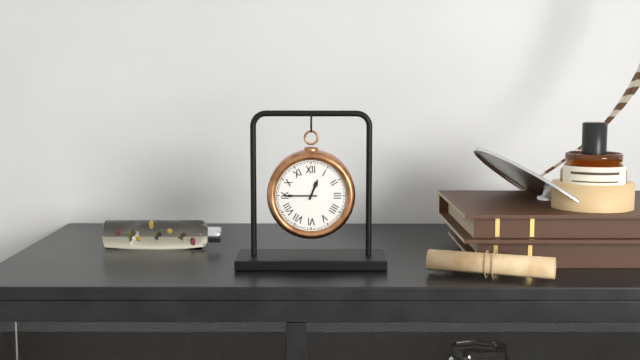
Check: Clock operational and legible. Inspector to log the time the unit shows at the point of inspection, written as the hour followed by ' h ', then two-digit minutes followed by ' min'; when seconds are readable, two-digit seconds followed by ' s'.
12 h 45 min
